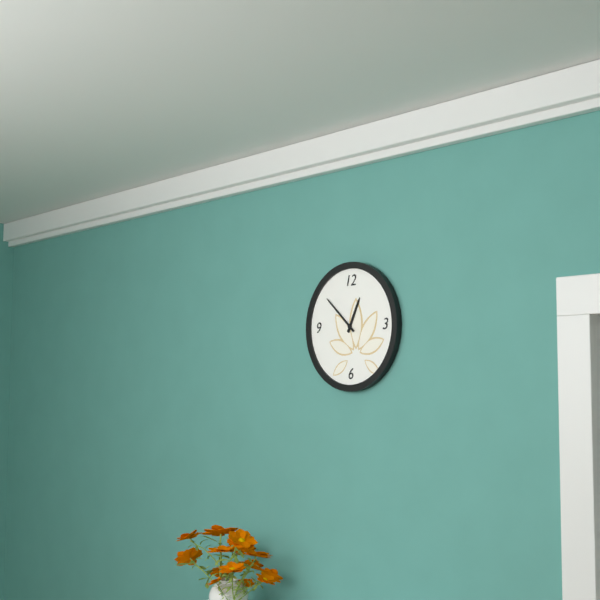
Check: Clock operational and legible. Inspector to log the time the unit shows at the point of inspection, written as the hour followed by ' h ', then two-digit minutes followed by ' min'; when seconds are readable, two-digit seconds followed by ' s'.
12 h 52 min
